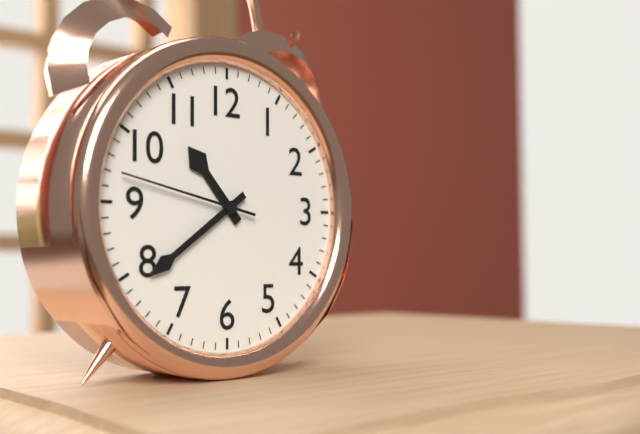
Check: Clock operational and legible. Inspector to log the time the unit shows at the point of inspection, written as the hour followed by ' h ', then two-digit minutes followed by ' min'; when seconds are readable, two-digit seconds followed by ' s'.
10 h 39 min 47 s
